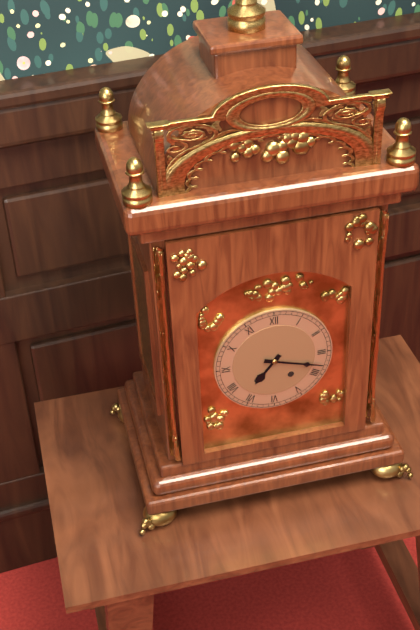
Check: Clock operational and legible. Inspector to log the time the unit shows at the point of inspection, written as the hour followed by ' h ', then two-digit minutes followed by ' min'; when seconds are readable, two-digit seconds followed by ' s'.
7 h 18 min
